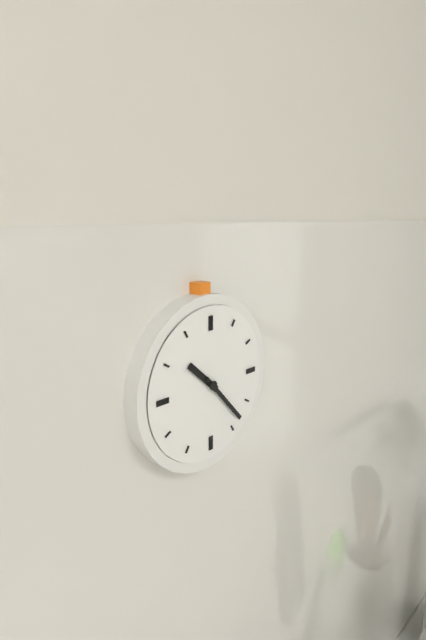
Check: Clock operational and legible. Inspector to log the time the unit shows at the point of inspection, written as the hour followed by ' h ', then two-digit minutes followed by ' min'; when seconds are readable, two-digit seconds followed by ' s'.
10 h 23 min
